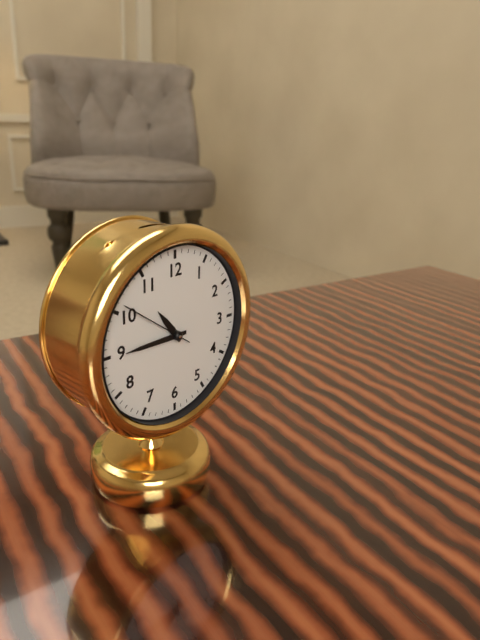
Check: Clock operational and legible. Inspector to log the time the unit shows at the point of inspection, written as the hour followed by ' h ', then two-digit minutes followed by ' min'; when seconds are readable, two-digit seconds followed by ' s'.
10 h 45 min 51 s
